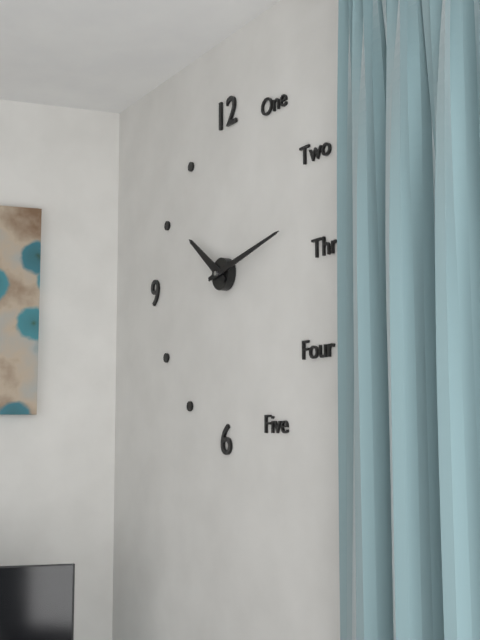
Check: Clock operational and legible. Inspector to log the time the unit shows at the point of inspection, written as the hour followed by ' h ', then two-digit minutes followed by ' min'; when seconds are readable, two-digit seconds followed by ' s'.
10 h 13 min
